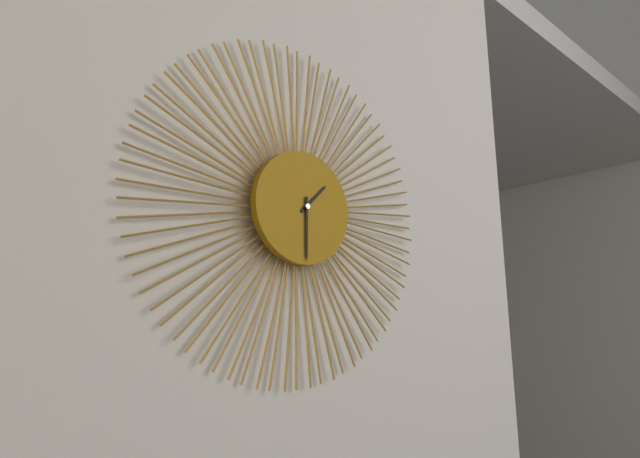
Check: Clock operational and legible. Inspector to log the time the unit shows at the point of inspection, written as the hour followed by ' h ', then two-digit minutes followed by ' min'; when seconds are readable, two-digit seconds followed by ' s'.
1 h 30 min
